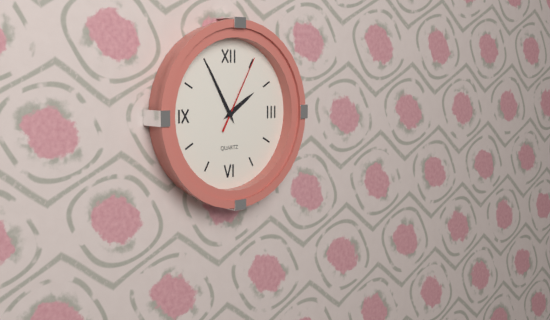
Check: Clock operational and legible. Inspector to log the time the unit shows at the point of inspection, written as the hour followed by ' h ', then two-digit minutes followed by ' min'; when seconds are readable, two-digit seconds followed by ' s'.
1 h 55 min 05 s
